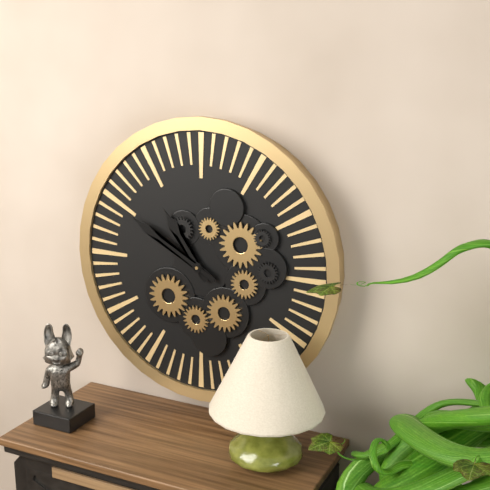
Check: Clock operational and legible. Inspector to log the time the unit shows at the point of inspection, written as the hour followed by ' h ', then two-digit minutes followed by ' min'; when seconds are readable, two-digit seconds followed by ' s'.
10 h 50 min
